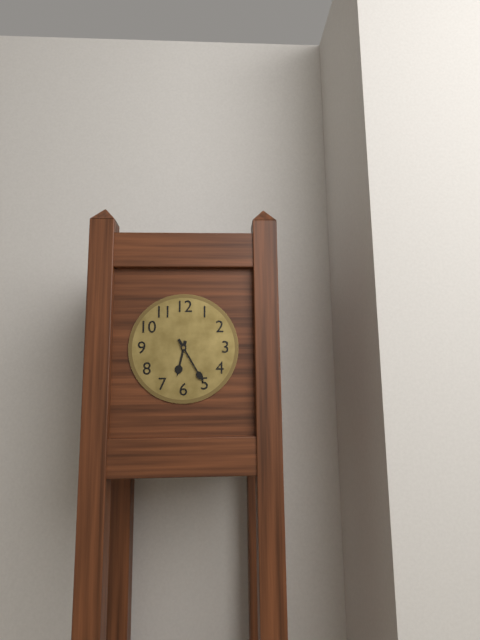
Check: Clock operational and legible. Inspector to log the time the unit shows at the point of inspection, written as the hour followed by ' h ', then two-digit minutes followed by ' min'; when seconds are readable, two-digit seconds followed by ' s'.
6 h 25 min
